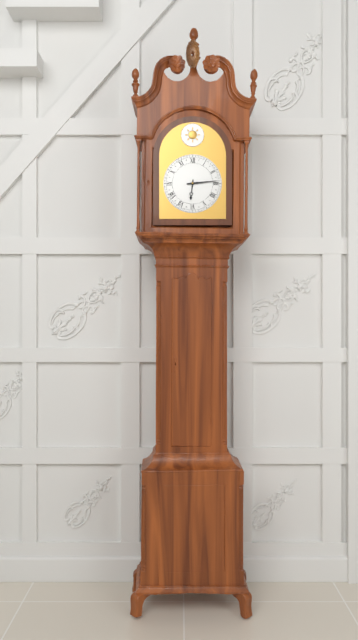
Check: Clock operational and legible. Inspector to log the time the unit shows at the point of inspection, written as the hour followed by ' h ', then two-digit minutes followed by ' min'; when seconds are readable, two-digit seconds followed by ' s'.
6 h 14 min
